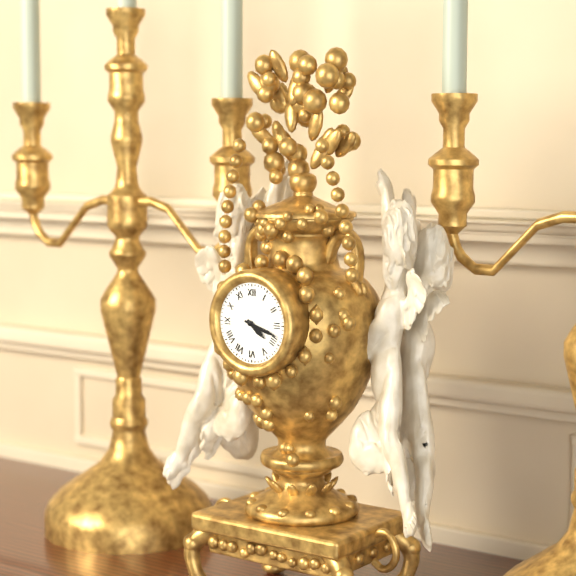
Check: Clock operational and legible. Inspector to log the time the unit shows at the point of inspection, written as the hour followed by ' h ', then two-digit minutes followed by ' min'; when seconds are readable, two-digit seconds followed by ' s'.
4 h 18 min
